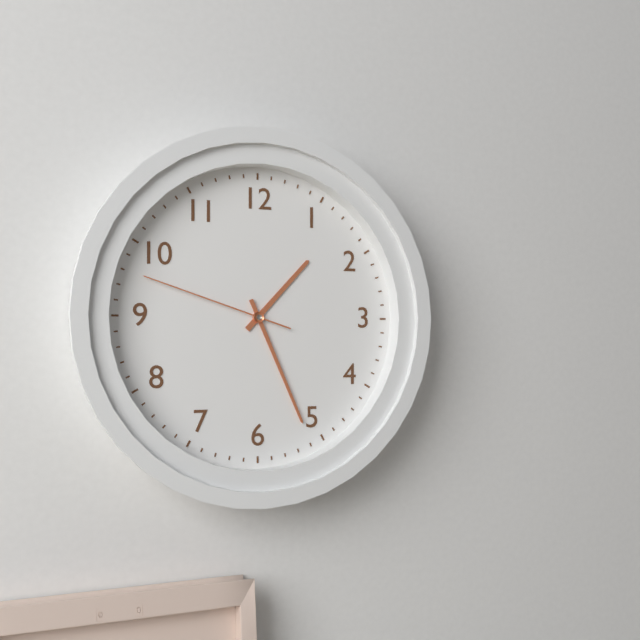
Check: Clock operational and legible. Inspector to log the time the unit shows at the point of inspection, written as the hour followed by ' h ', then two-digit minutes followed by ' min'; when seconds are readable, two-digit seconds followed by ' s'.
1 h 26 min 48 s
